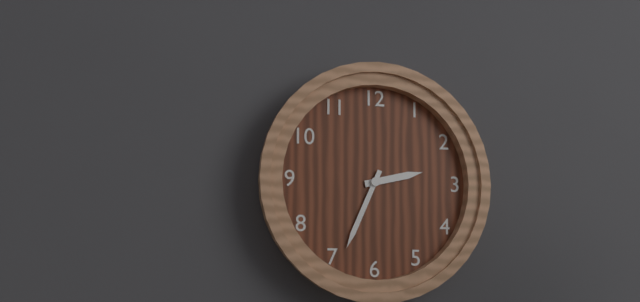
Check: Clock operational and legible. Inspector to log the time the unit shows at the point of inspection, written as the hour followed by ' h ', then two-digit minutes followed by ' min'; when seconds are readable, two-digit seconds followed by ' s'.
2 h 34 min
